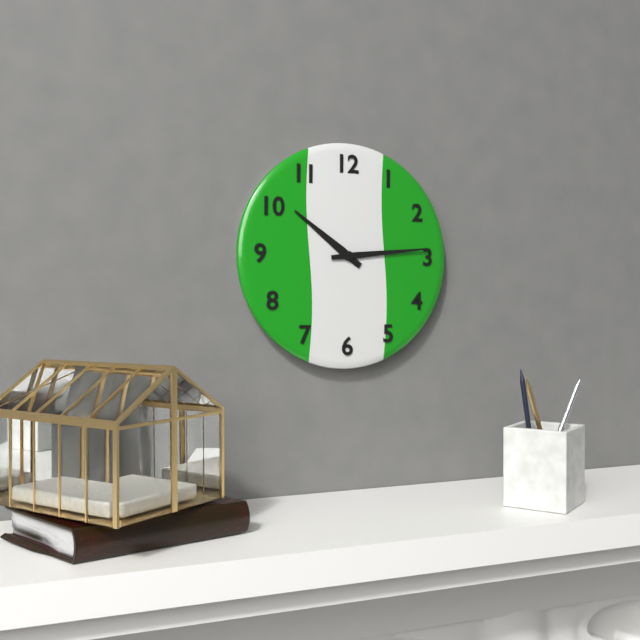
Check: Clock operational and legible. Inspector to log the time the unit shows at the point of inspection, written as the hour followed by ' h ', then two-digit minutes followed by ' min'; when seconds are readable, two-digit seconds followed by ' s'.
10 h 14 min
